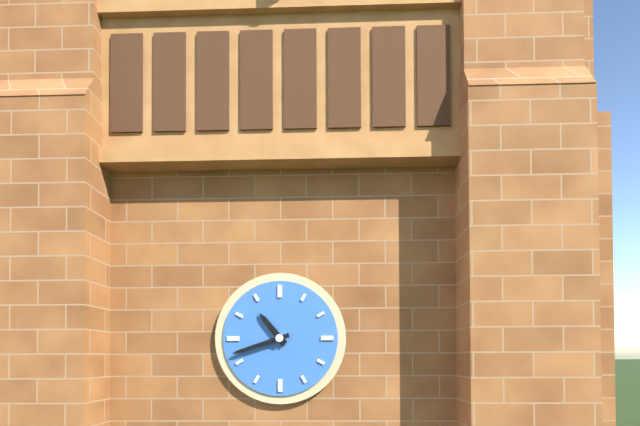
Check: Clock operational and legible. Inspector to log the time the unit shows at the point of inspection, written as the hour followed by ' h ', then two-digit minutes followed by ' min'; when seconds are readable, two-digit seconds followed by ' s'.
10 h 42 min
